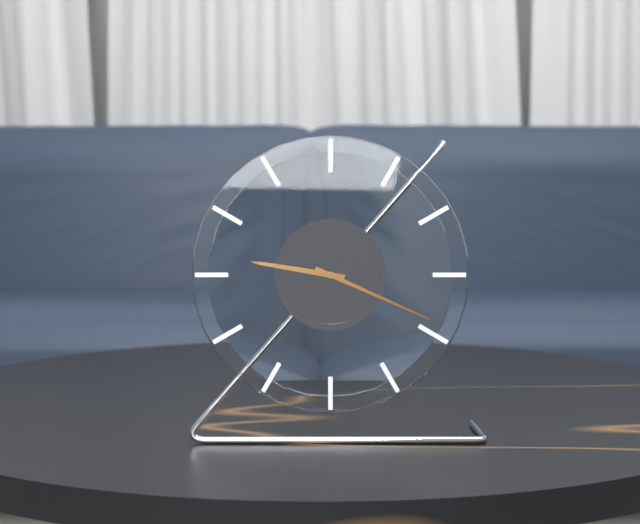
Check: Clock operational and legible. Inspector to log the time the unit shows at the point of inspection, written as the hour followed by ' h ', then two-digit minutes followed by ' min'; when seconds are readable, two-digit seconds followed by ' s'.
9 h 19 min
